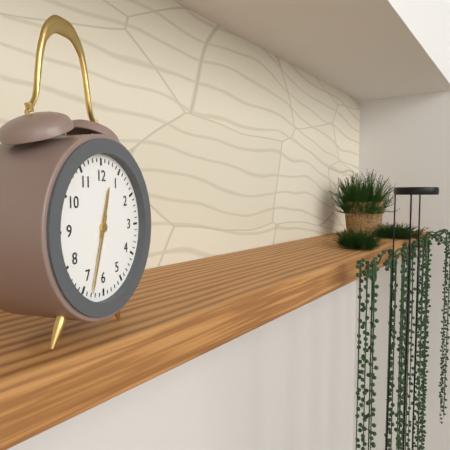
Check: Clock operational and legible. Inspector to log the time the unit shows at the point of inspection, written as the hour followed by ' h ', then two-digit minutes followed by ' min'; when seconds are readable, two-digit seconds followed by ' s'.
12 h 33 min
